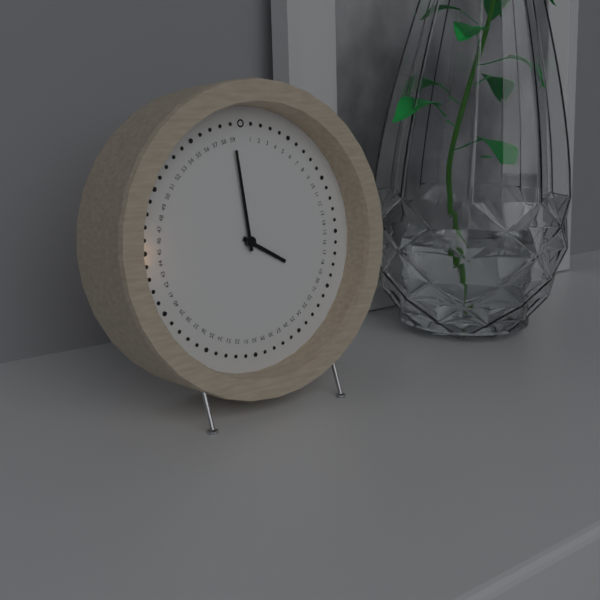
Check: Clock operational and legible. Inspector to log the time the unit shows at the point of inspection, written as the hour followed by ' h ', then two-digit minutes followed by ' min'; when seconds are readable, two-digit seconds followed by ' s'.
3 h 59 min
